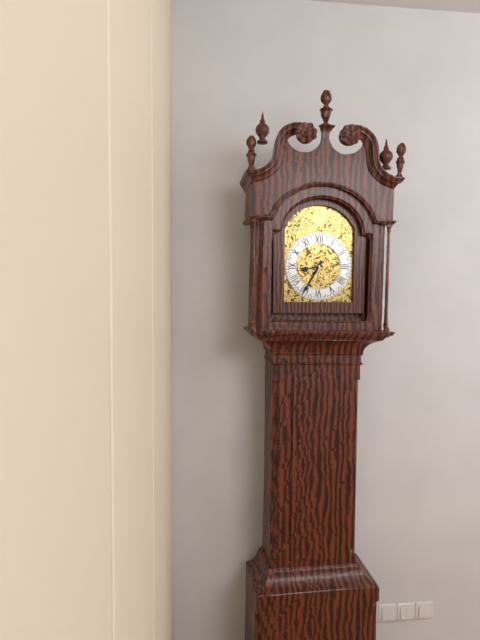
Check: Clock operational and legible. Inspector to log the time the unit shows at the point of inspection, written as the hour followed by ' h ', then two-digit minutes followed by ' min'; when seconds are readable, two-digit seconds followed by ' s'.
8 h 35 min
